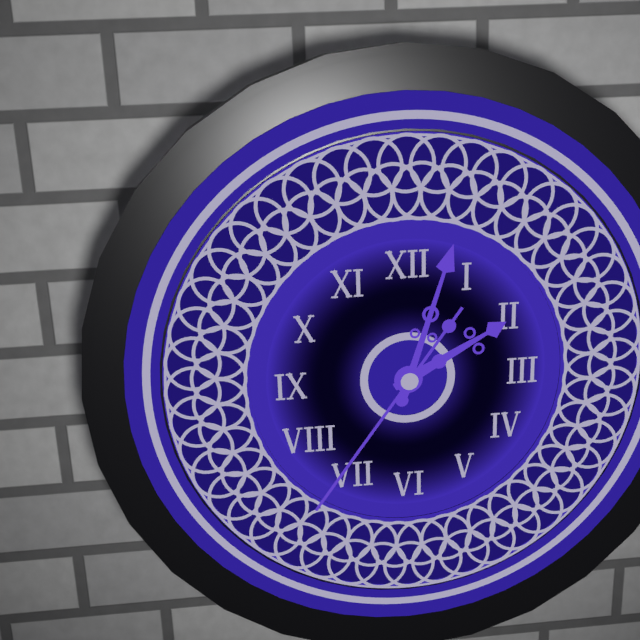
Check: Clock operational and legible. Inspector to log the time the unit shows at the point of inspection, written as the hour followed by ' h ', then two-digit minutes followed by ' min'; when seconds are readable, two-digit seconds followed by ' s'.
2 h 03 min 36 s
